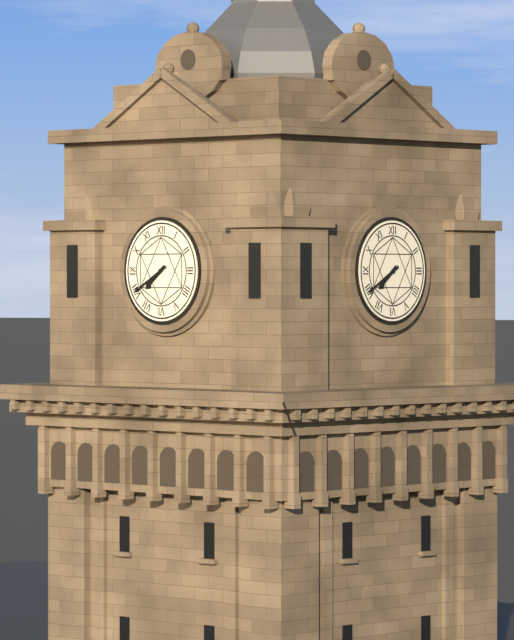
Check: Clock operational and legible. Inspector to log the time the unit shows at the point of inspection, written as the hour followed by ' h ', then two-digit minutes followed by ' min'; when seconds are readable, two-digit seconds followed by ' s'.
7 h 40 min
